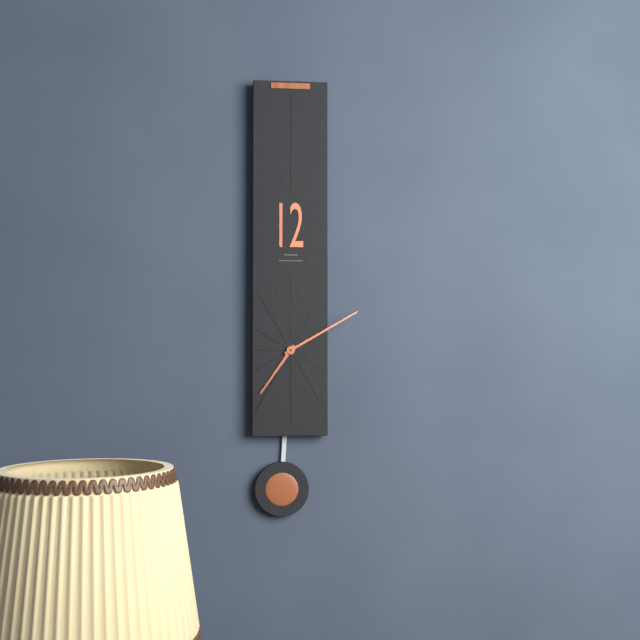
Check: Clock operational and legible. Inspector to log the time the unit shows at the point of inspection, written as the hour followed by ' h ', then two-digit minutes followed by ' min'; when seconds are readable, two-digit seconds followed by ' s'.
7 h 10 min
